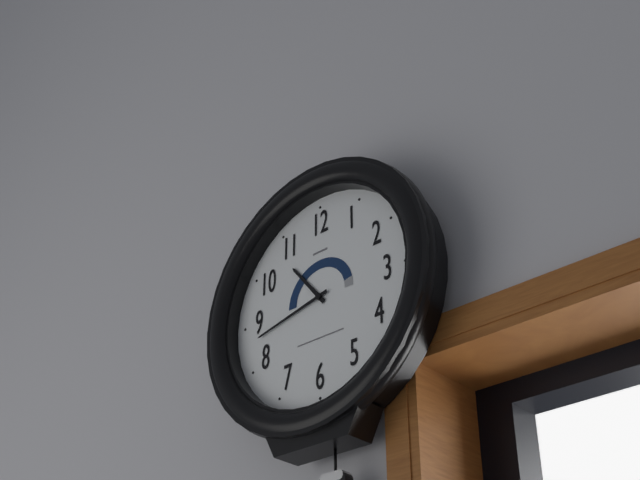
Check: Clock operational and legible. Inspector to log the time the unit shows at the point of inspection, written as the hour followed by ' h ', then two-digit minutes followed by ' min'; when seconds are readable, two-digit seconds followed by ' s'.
10 h 43 min
